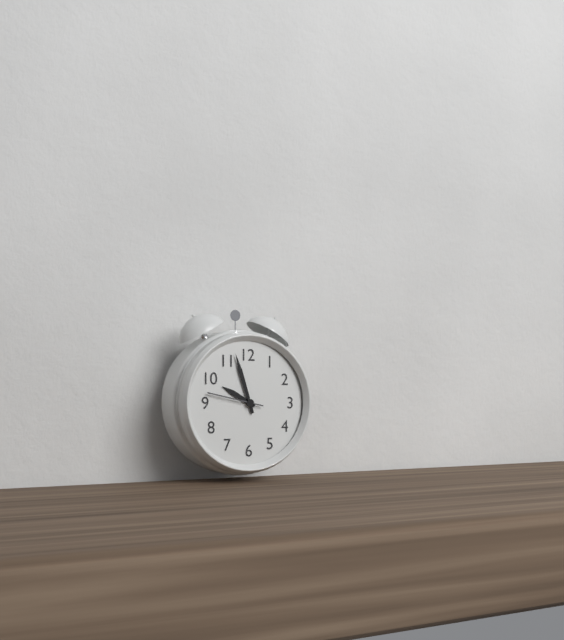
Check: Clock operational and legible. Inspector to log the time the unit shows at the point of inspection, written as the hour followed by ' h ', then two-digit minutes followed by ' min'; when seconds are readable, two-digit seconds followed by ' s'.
9 h 57 min 47 s
